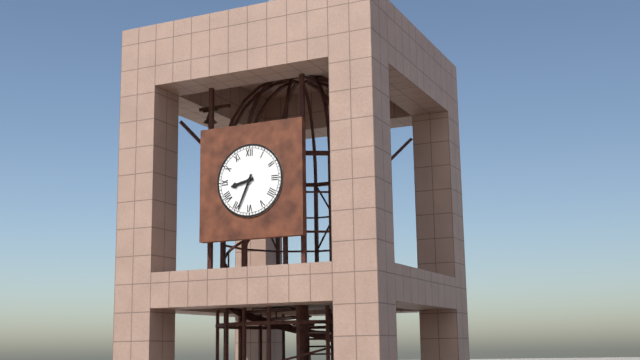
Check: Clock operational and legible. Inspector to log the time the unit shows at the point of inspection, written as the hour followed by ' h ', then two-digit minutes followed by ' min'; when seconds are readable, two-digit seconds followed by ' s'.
8 h 34 min
